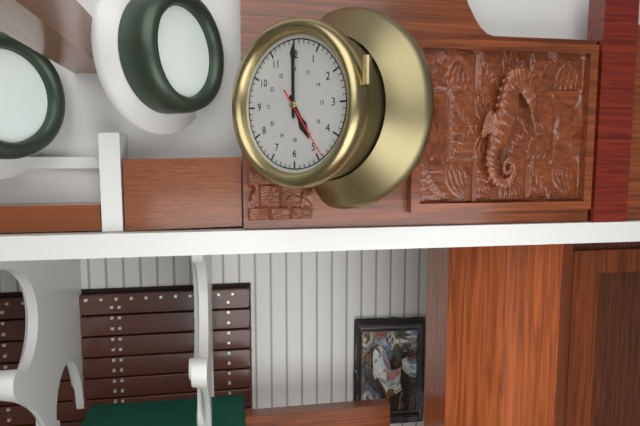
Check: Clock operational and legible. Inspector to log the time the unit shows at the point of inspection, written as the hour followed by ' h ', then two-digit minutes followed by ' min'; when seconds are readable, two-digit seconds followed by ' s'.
5 h 00 min 24 s
